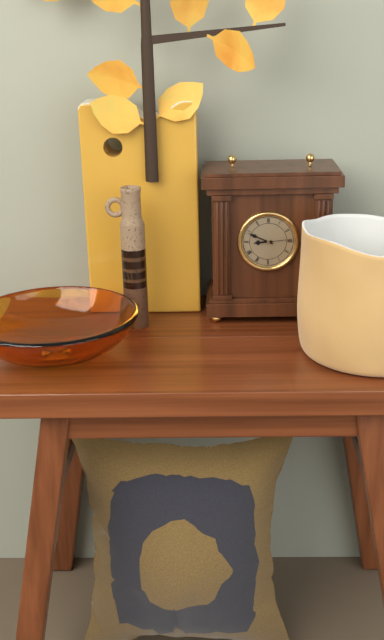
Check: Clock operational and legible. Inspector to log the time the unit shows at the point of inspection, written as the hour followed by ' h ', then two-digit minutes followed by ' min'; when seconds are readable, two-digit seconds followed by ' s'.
8 h 49 min
